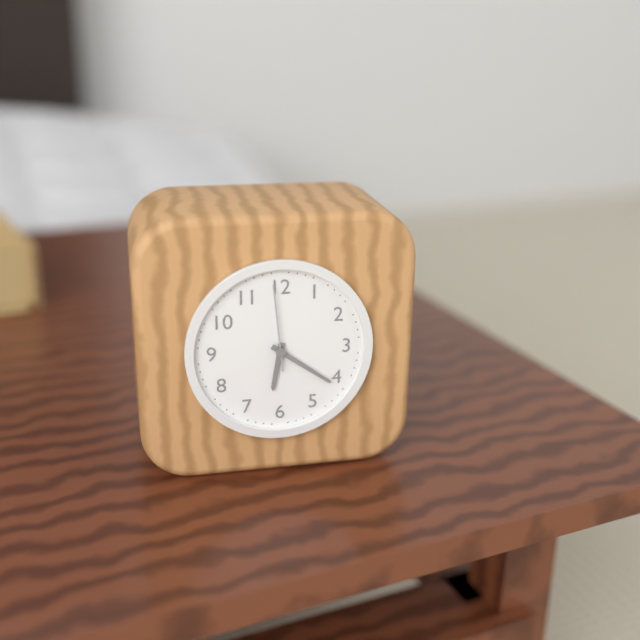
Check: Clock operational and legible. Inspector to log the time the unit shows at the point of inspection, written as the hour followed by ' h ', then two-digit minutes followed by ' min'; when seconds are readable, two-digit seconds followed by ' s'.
6 h 21 min 59 s
